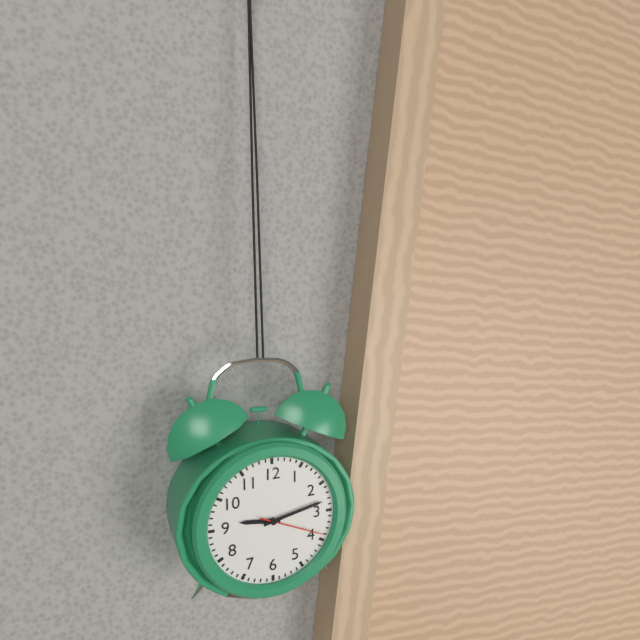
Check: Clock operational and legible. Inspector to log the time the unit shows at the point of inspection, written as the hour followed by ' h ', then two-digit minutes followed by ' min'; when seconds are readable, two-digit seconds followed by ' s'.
9 h 13 min 19 s
